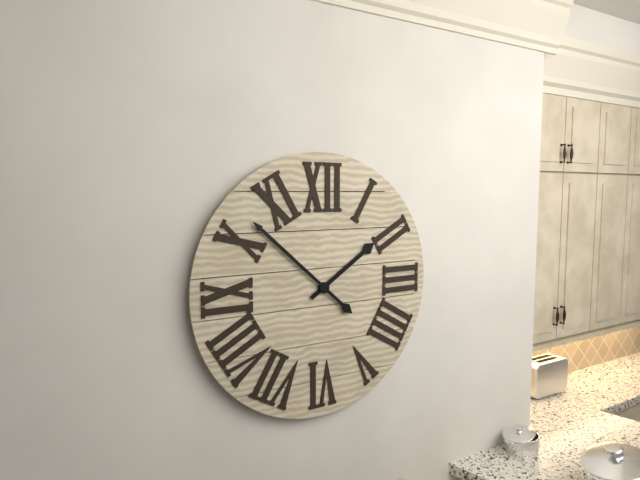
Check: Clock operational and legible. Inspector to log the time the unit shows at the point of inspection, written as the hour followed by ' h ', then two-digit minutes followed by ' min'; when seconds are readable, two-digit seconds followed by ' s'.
1 h 52 min
